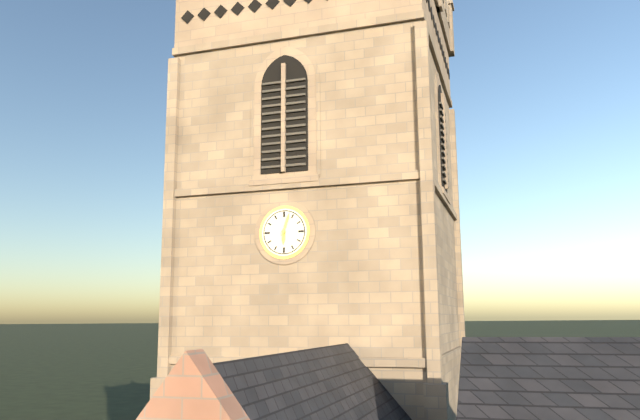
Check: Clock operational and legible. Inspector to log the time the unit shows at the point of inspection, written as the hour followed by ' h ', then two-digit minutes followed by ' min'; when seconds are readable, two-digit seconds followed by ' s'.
6 h 03 min
